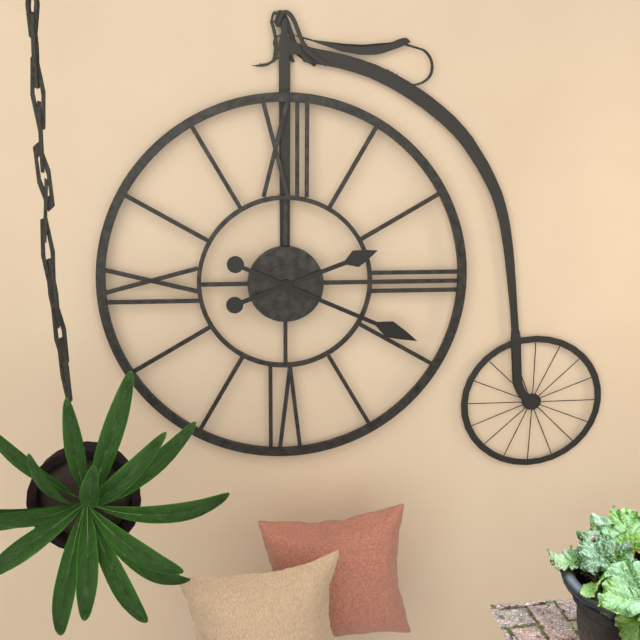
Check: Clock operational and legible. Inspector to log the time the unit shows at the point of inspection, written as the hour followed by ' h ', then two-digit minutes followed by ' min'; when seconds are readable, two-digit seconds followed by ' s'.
2 h 19 min
